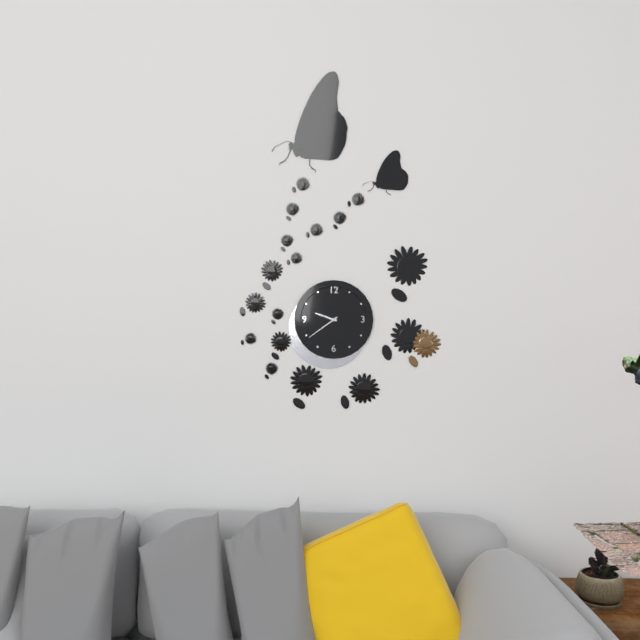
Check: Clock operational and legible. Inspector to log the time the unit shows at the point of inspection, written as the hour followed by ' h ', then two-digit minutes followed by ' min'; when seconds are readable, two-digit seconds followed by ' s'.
9 h 39 min
